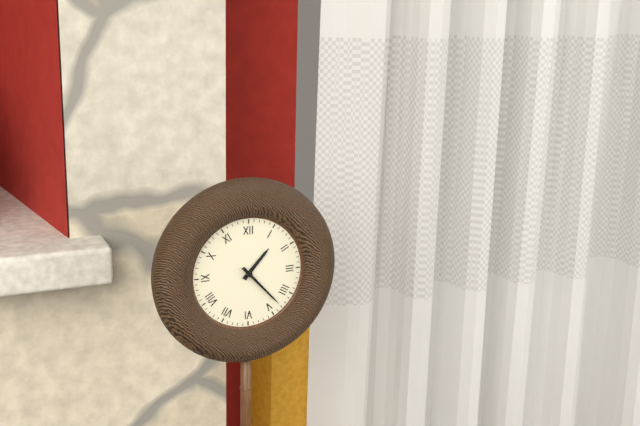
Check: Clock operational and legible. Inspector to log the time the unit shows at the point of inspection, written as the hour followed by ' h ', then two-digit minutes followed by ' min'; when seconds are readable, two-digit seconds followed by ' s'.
1 h 23 min
